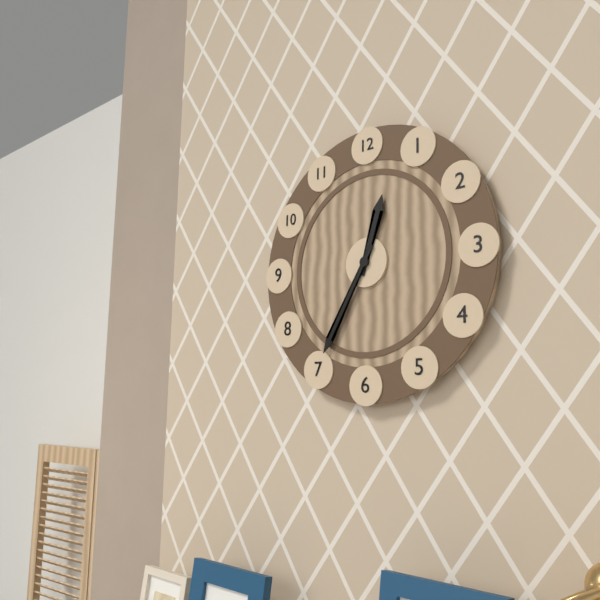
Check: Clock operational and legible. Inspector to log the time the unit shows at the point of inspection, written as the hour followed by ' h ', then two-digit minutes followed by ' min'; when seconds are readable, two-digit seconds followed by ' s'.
12 h 35 min
